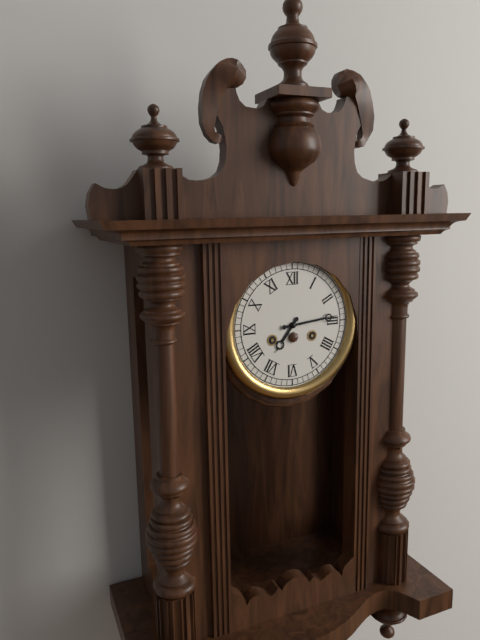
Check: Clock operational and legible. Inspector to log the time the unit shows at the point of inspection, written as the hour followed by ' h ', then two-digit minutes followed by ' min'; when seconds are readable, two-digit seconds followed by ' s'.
7 h 14 min
